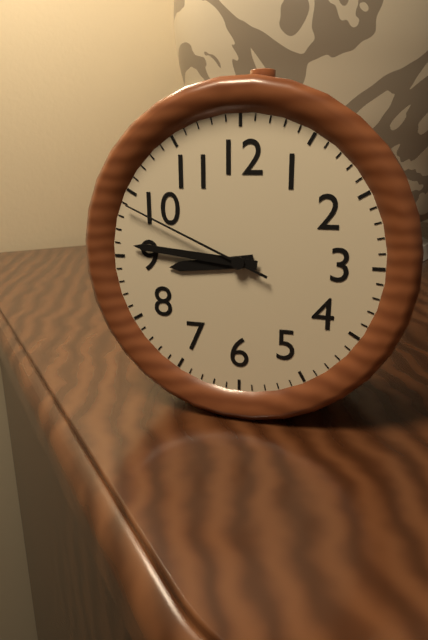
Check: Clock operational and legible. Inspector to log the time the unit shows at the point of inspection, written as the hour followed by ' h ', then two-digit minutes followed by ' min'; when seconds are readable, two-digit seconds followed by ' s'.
8 h 46 min 49 s
